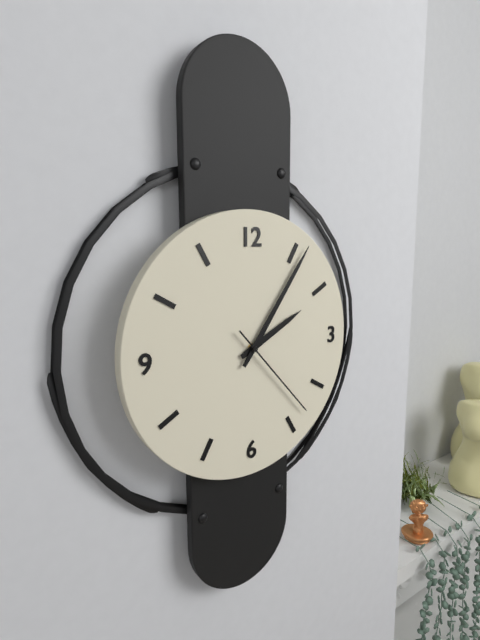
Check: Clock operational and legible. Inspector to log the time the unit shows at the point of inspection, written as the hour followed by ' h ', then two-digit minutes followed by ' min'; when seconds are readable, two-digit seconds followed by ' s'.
2 h 06 min 23 s
